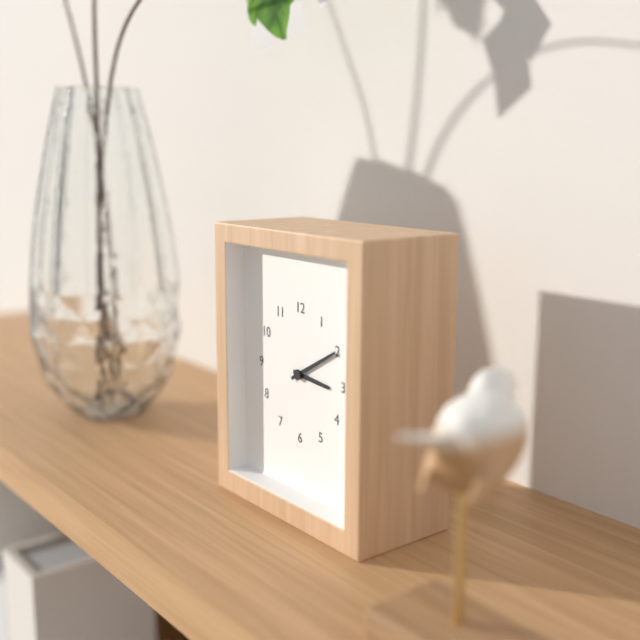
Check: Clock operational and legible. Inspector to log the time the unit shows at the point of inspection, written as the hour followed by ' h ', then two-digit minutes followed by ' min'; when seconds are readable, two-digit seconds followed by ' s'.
3 h 10 min
